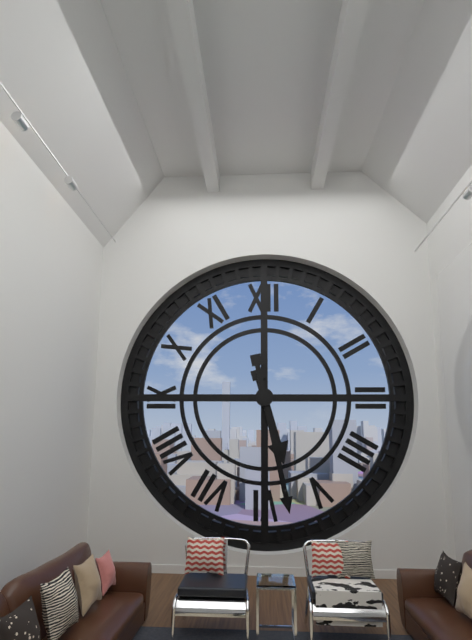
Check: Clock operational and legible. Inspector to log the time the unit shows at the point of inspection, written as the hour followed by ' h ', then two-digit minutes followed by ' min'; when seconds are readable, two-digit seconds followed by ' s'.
5 h 28 min
